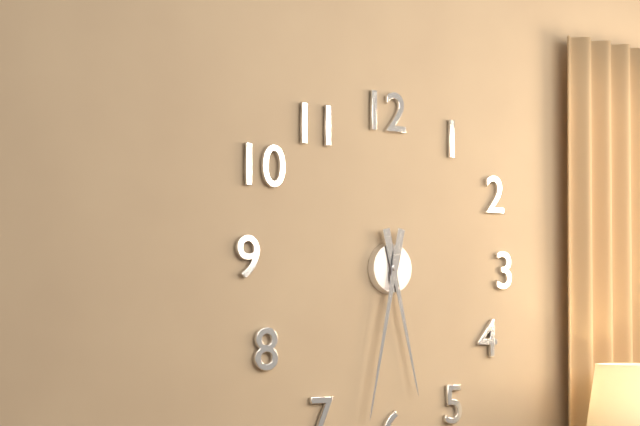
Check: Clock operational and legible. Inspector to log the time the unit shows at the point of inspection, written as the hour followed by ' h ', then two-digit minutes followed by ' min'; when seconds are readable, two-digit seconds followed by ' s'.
5 h 32 min
